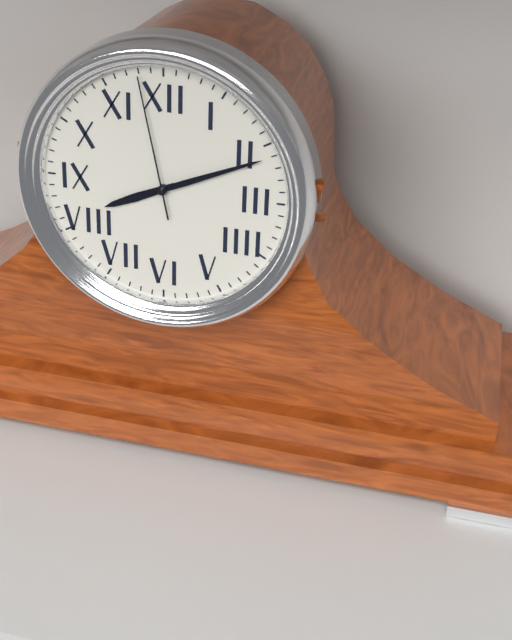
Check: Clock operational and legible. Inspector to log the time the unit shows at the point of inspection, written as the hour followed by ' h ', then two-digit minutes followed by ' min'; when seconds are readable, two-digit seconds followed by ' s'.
8 h 11 min 58 s
